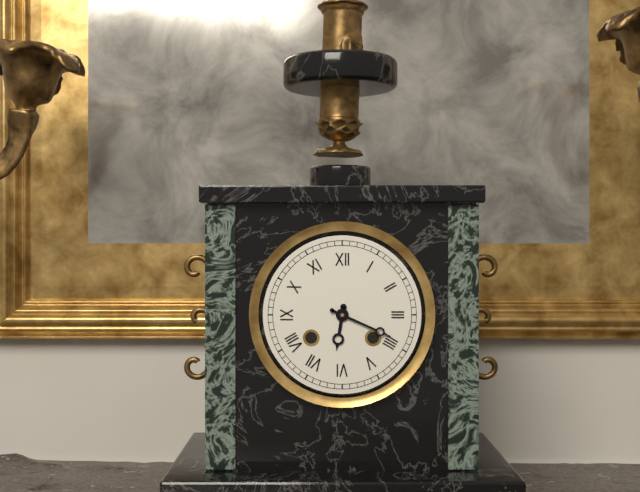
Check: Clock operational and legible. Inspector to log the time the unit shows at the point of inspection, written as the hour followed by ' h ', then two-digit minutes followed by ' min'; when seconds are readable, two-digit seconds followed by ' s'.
6 h 19 min
